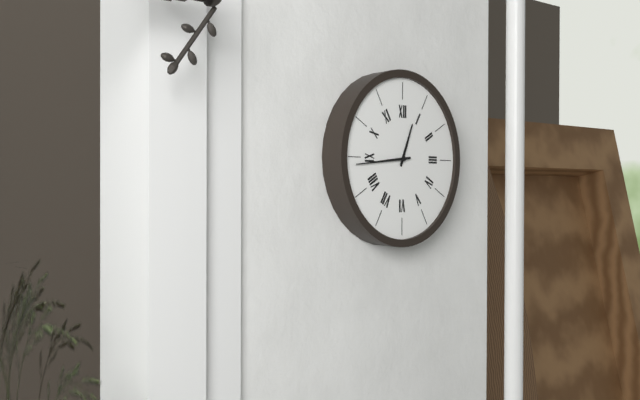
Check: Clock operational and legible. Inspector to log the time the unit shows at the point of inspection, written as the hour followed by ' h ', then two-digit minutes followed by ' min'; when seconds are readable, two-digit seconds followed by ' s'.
12 h 44 min
